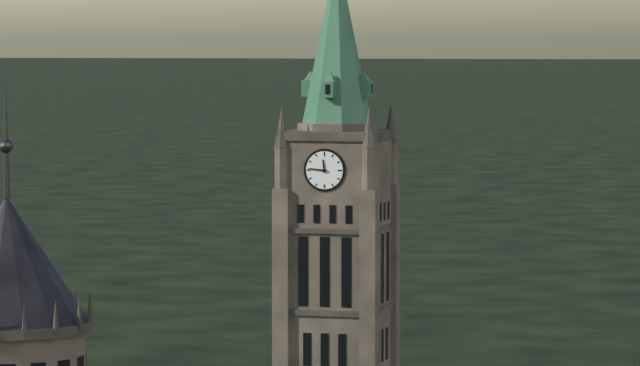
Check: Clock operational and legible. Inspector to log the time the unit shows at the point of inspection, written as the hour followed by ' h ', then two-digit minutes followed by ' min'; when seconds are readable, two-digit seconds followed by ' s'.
11 h 46 min
